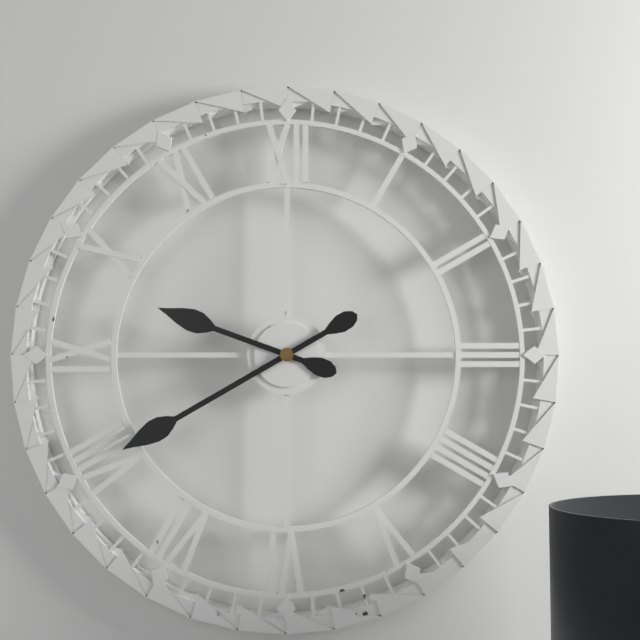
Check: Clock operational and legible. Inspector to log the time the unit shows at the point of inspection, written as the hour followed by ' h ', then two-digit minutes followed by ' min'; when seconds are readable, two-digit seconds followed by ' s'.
9 h 40 min
